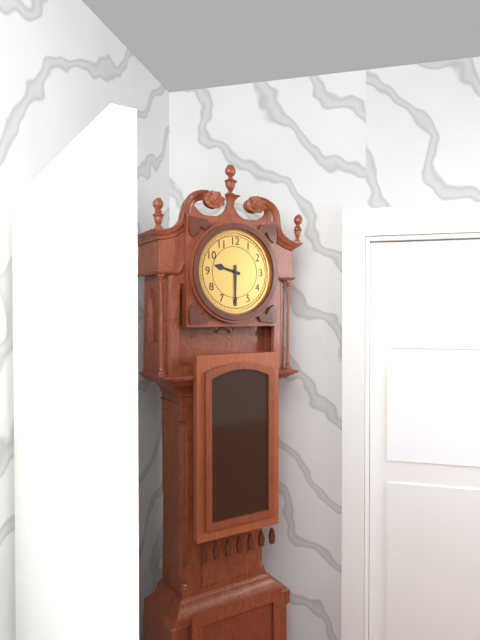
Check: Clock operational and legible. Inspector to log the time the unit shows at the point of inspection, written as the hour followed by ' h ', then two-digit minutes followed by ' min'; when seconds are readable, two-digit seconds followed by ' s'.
9 h 30 min
